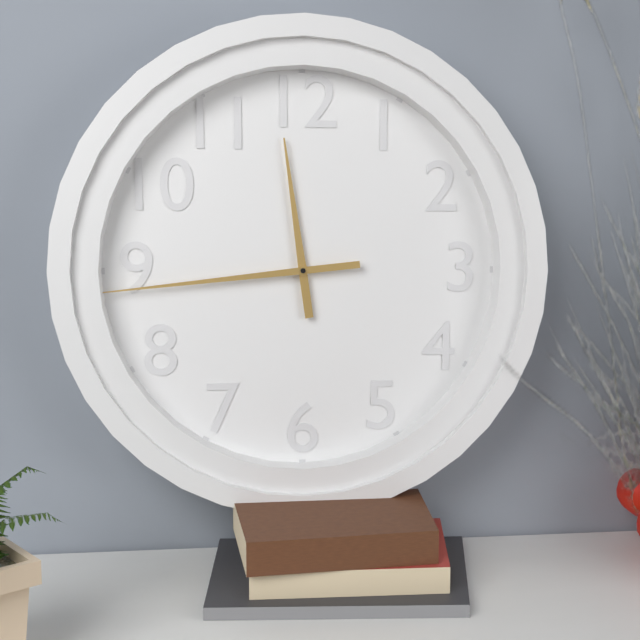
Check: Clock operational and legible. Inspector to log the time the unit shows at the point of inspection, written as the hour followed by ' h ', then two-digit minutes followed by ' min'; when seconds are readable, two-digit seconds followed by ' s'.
11 h 44 min
